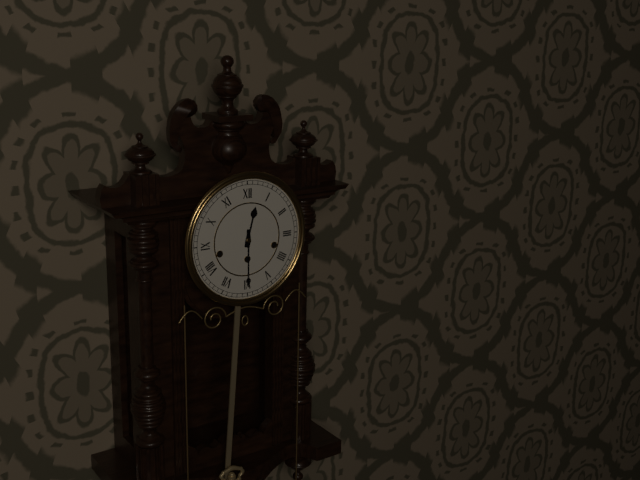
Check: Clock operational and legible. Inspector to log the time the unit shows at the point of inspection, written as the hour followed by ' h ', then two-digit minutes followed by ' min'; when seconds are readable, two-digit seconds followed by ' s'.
12 h 30 min
